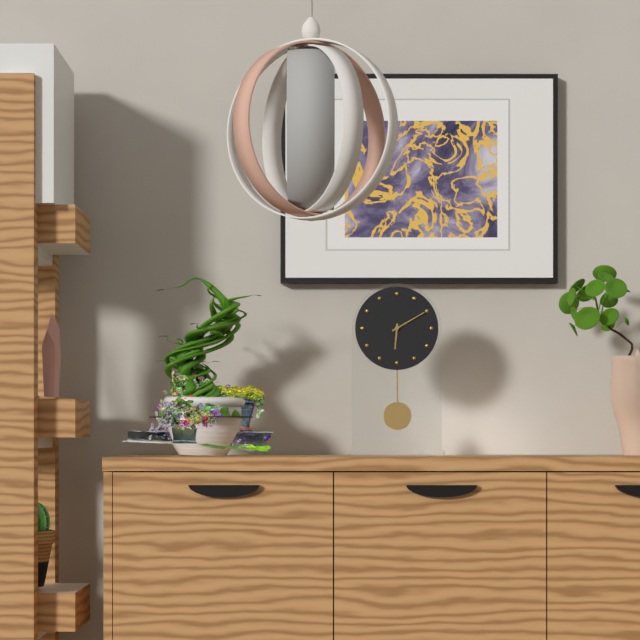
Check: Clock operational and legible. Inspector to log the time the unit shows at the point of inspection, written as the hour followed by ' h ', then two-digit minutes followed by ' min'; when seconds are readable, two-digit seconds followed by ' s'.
6 h 10 min
